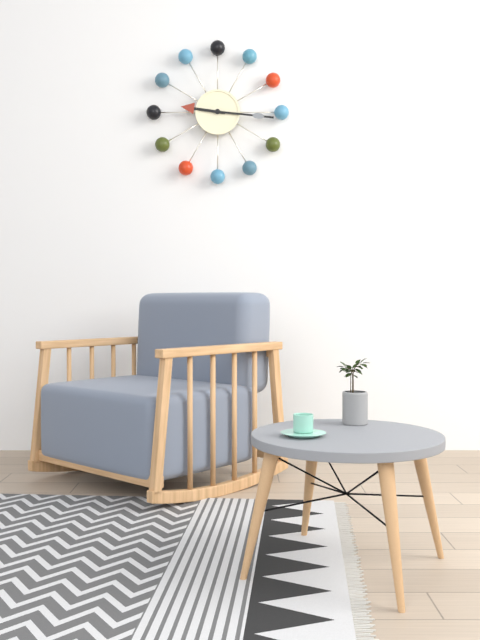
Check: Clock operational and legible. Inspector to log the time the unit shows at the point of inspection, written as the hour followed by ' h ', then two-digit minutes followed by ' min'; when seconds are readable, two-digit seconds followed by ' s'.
9 h 16 min
